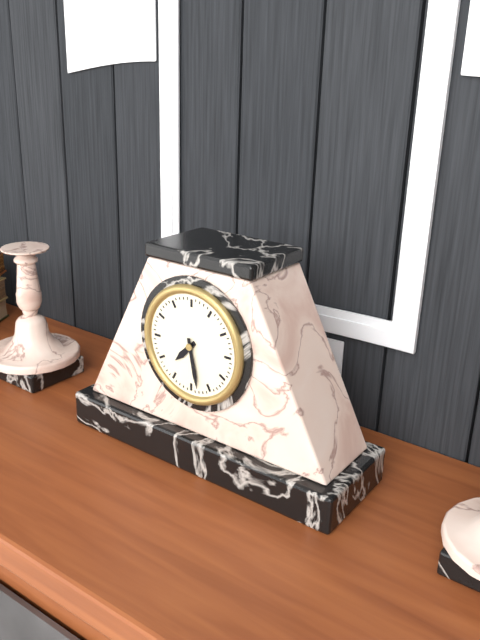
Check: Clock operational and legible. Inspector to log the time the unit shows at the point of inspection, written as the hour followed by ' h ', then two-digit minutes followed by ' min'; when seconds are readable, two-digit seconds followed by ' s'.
7 h 28 min
